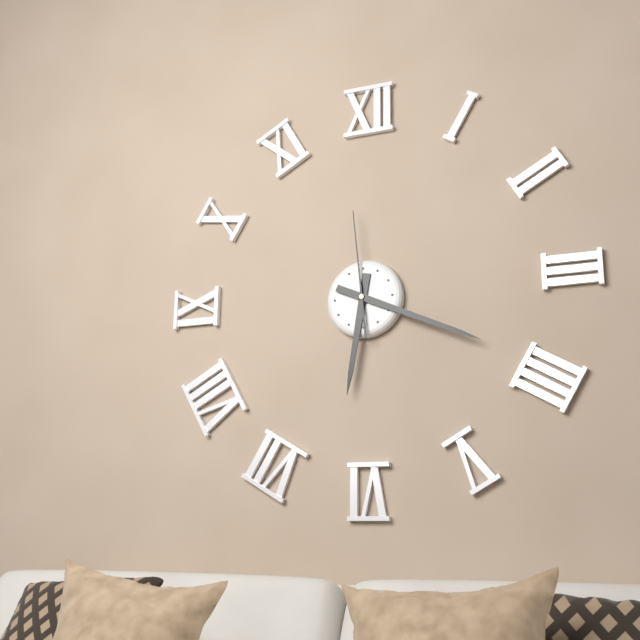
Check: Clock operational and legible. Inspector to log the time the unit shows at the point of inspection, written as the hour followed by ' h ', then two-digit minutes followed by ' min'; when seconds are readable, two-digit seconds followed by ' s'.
6 h 19 min 59 s
